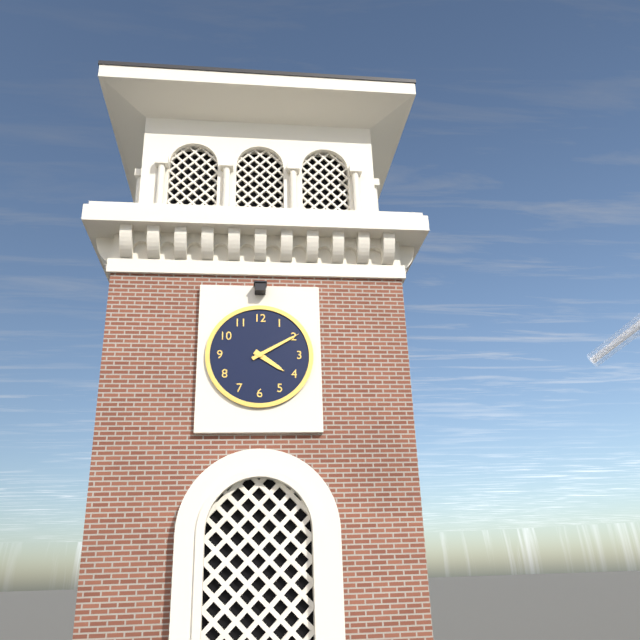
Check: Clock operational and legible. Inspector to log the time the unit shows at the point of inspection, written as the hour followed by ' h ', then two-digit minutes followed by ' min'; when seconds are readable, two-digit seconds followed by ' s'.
4 h 10 min
